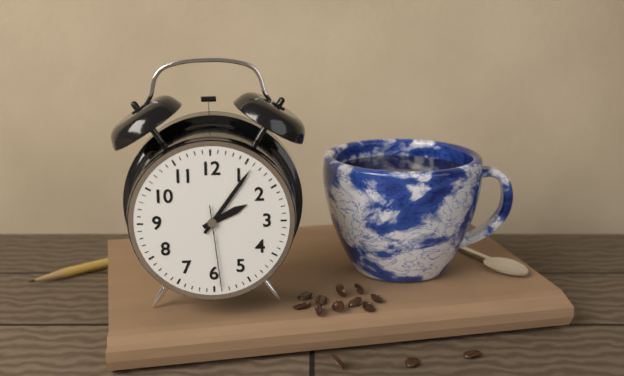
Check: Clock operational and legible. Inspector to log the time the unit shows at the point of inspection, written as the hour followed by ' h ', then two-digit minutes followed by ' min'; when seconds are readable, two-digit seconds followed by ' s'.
2 h 06 min 29 s
